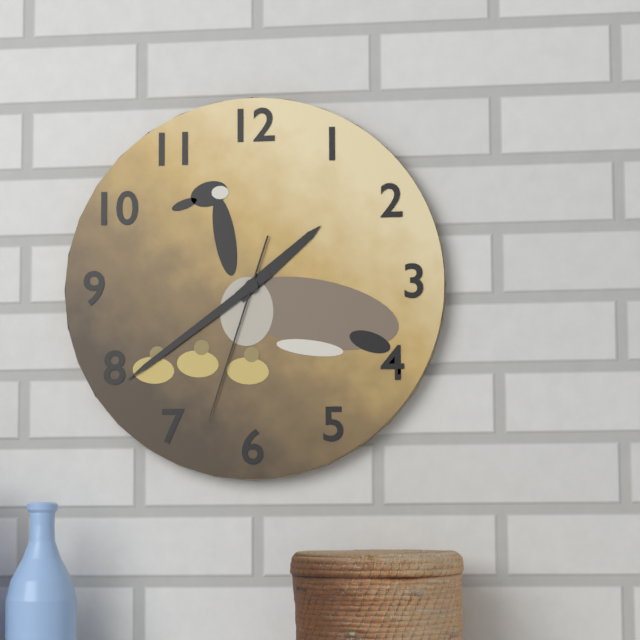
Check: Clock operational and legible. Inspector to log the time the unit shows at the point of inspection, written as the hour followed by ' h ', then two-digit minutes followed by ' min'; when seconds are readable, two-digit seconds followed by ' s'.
1 h 39 min 33 s
